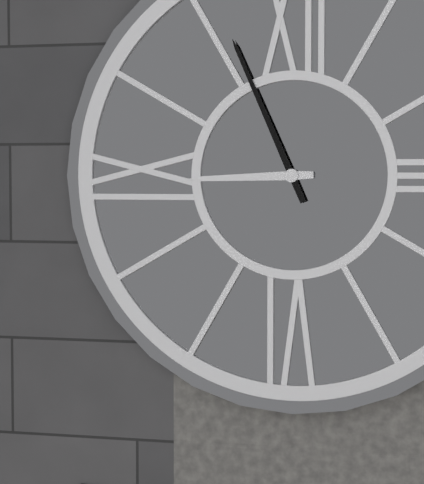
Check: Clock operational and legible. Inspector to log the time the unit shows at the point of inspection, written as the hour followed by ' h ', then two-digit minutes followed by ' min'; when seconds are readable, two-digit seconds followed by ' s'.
8 h 56 min
